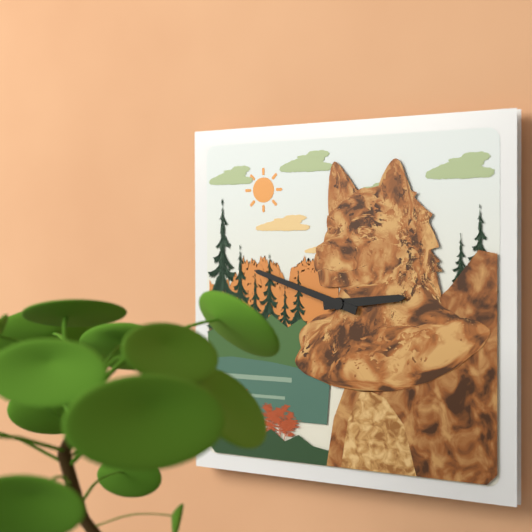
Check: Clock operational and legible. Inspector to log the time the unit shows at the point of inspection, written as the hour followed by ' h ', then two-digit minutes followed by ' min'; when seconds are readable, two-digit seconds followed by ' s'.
2 h 48 min
